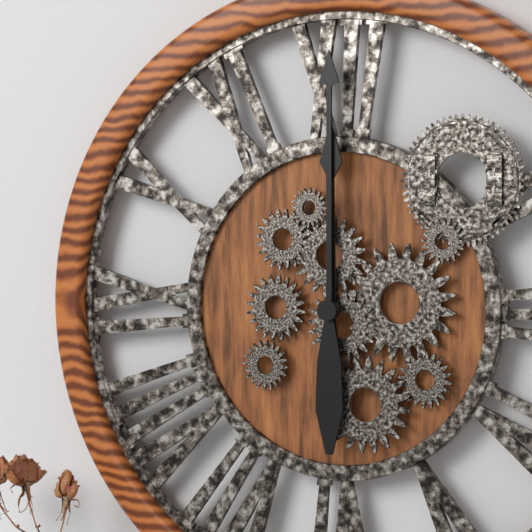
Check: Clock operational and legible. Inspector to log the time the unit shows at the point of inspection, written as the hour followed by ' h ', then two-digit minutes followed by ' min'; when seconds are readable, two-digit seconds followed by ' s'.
12 h 00 min
